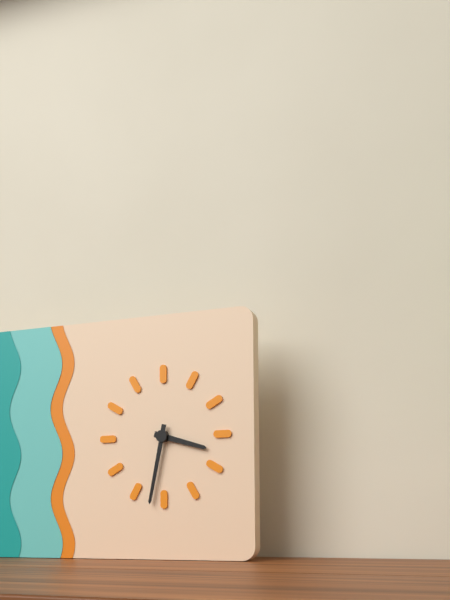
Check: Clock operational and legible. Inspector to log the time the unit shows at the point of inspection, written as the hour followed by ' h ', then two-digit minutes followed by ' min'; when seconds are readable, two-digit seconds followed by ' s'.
3 h 32 min
